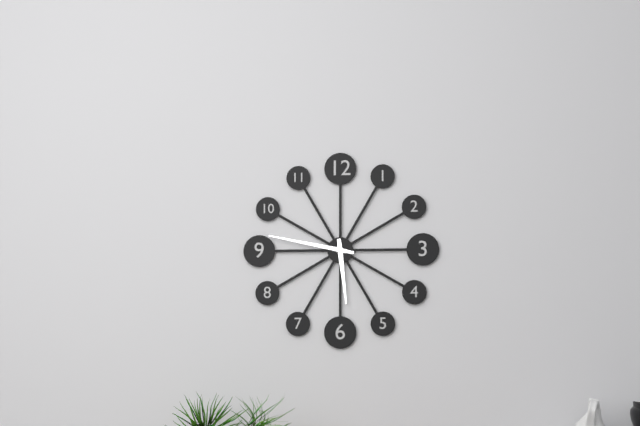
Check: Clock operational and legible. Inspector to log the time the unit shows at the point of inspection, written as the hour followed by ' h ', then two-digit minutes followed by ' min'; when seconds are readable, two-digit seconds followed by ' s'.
5 h 47 min
